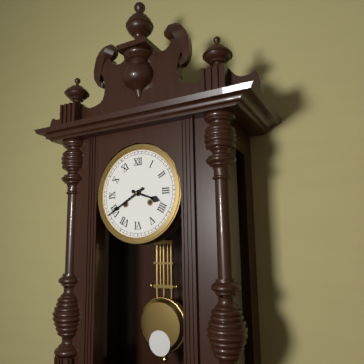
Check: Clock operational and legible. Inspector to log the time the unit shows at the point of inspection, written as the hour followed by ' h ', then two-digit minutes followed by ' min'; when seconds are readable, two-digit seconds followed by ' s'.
3 h 40 min
